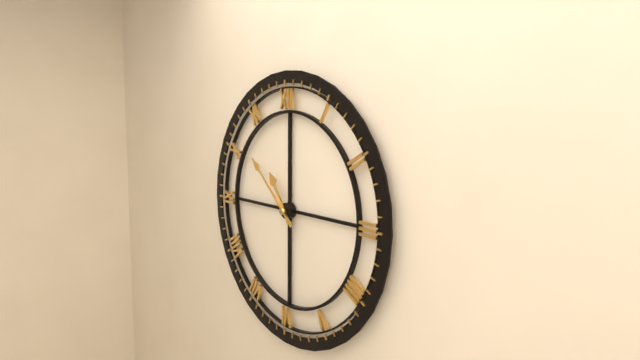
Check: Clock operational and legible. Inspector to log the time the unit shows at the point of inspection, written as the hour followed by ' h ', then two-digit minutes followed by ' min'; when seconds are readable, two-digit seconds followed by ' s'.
10 h 52 min
